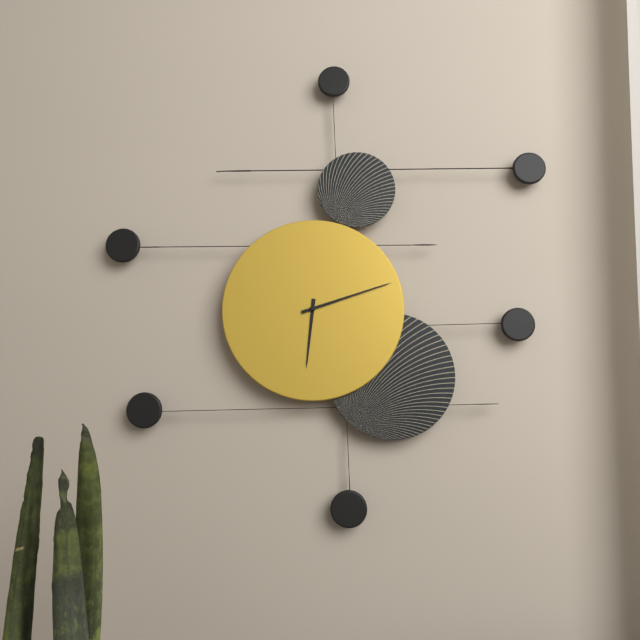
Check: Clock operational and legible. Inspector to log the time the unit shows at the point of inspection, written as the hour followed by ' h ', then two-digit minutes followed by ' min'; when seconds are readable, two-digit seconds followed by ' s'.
6 h 12 min
